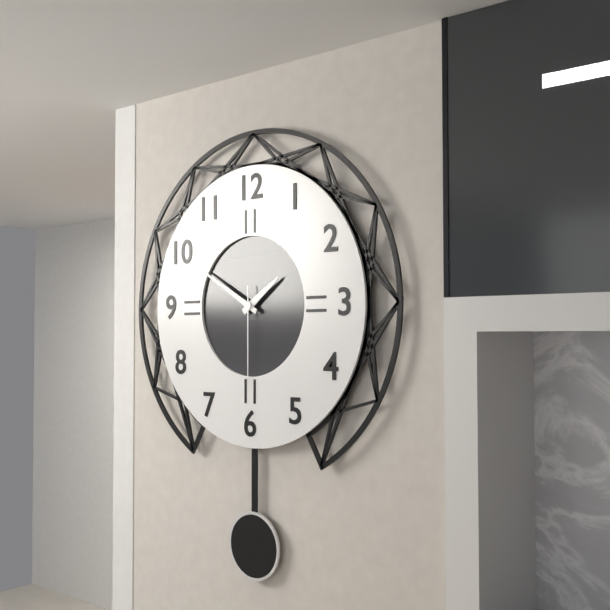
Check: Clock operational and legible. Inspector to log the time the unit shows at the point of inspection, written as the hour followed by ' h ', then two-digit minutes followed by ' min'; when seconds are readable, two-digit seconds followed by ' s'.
1 h 50 min 30 s
